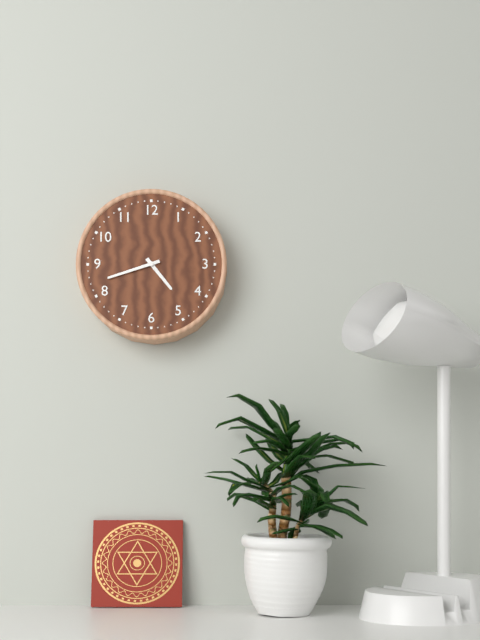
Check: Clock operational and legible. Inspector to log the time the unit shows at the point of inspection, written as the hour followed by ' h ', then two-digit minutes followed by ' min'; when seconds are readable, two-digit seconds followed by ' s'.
4 h 42 min
